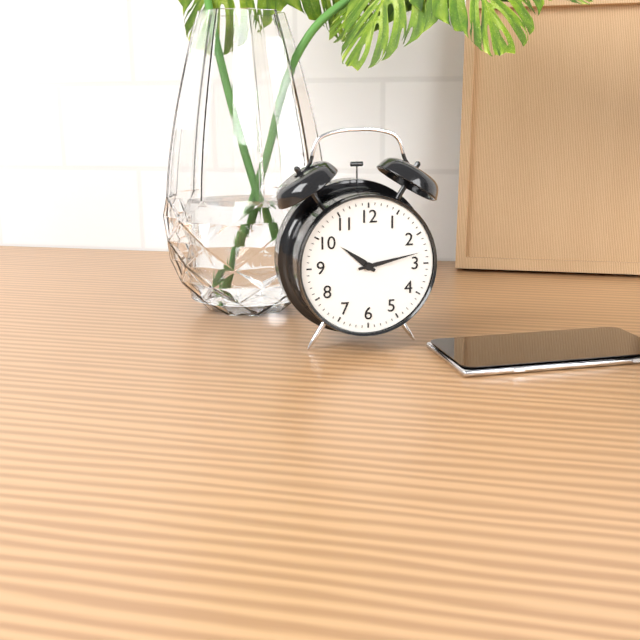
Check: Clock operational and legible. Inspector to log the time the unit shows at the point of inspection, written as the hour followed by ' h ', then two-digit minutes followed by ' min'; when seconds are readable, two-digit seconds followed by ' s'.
10 h 13 min
